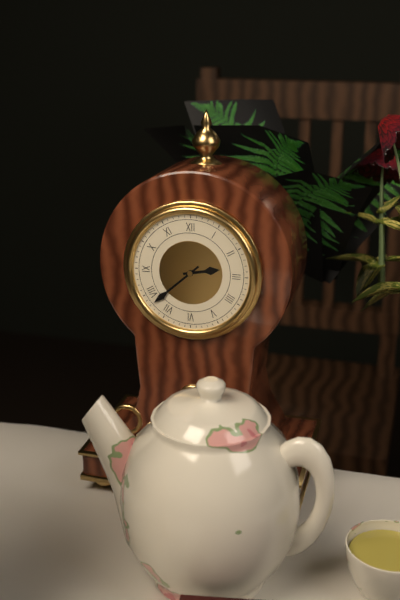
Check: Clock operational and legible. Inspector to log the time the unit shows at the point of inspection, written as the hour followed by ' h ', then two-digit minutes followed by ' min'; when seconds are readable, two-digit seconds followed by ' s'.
2 h 38 min
